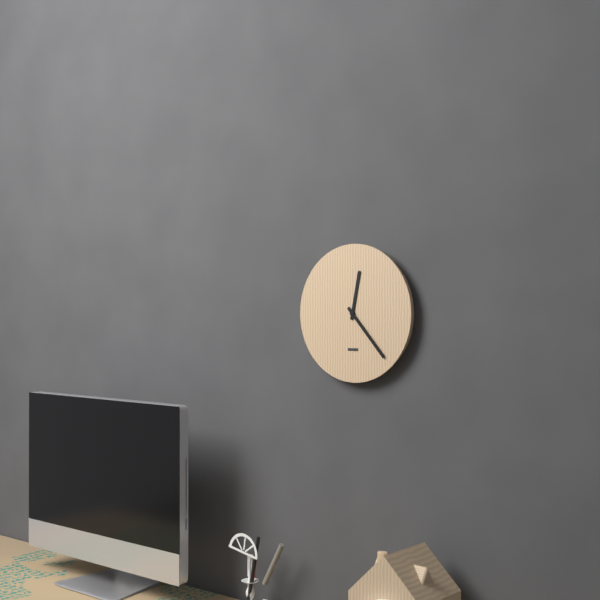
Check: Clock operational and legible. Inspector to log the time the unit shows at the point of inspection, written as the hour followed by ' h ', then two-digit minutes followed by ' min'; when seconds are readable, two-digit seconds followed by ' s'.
12 h 23 min
